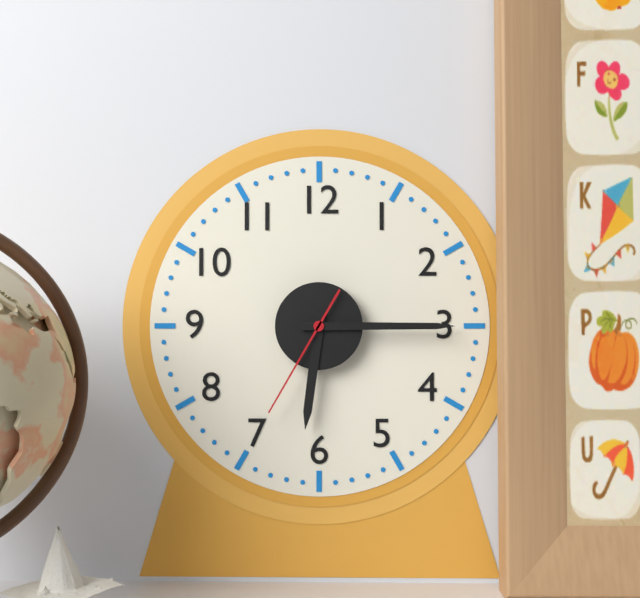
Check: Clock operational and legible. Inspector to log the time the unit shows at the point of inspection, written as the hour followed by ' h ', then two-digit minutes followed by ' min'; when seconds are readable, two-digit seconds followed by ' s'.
6 h 15 min 35 s
